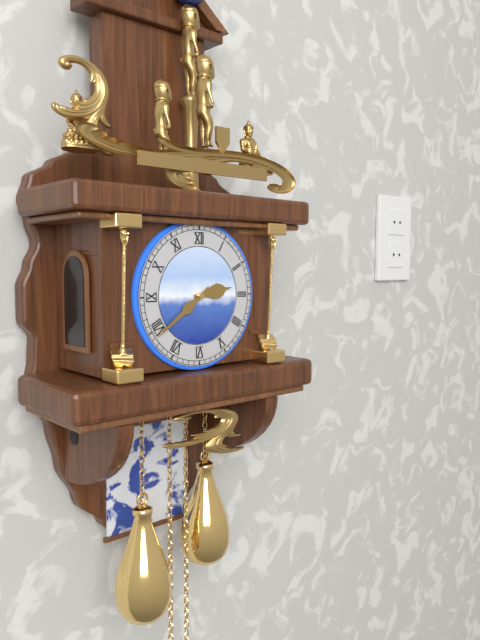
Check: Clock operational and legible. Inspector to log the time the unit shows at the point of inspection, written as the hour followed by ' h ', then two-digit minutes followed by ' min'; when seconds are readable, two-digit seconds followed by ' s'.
2 h 39 min
